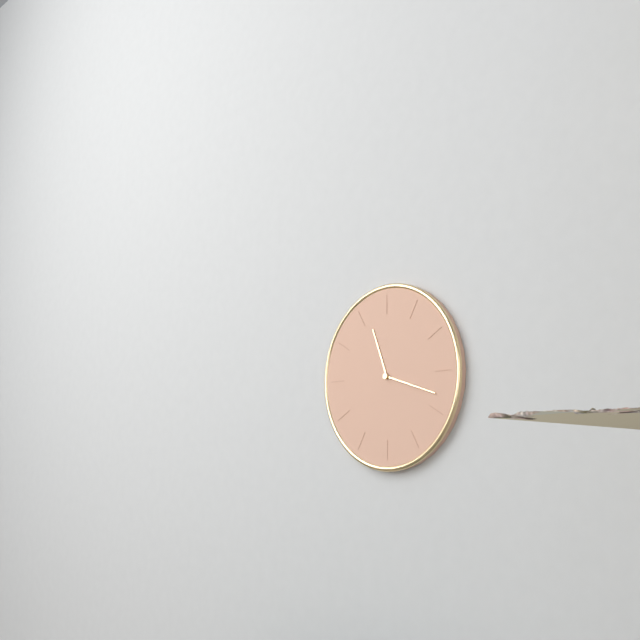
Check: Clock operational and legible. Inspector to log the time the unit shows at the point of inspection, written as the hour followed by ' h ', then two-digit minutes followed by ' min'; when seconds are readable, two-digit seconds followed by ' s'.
11 h 18 min
